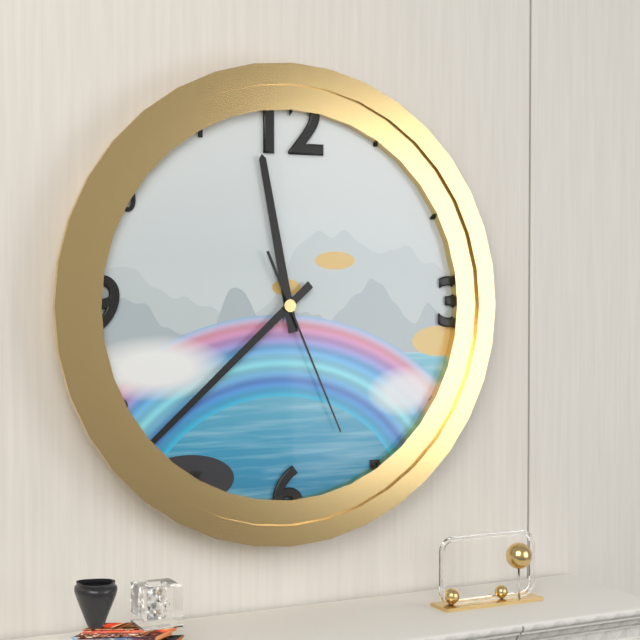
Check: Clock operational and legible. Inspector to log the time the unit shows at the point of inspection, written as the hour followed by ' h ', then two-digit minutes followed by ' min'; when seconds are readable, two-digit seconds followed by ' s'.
11 h 38 min 26 s
